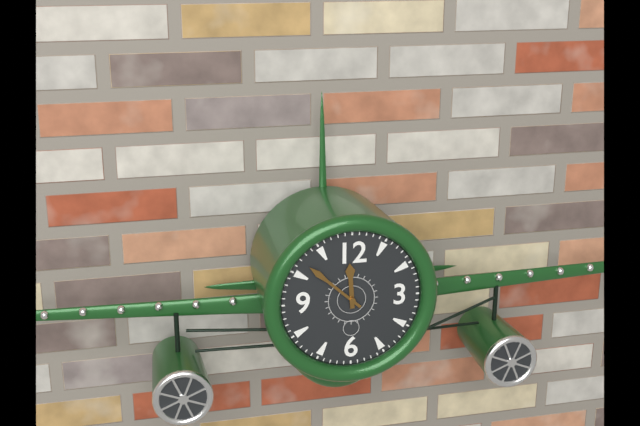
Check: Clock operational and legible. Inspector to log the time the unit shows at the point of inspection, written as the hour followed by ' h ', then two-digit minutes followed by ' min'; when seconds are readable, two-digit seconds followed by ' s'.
11 h 52 min
